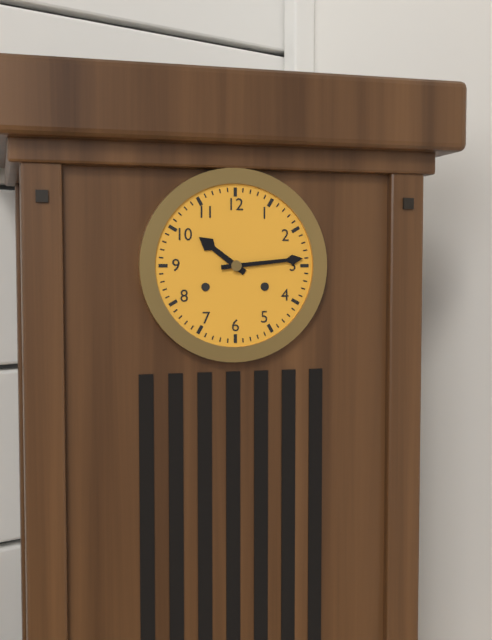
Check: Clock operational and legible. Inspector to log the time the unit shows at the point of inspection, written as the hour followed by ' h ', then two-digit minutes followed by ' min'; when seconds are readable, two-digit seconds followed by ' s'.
10 h 14 min
